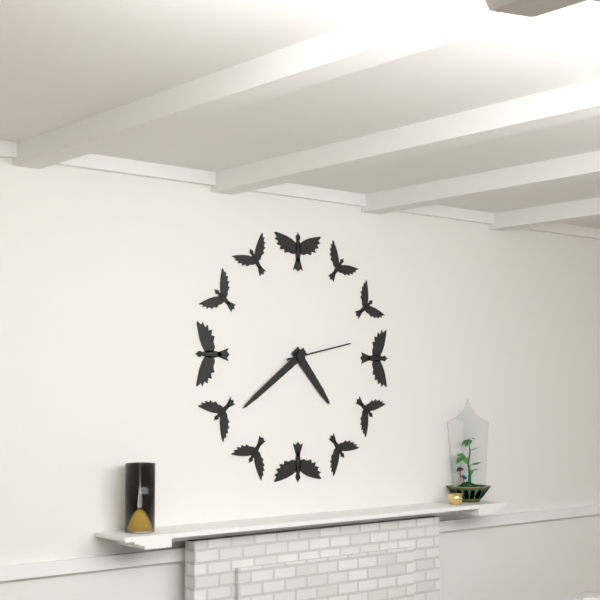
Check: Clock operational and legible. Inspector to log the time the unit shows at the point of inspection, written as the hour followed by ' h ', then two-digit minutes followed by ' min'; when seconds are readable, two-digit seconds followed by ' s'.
4 h 39 min 13 s
